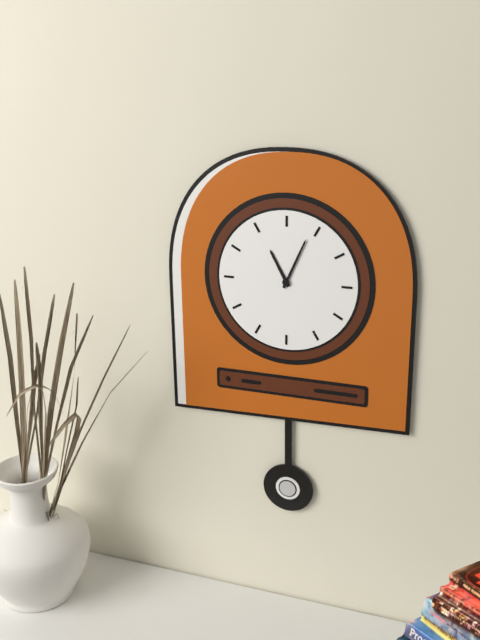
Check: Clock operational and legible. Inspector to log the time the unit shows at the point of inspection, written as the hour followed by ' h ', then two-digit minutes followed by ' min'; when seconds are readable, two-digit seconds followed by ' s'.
11 h 04 min
